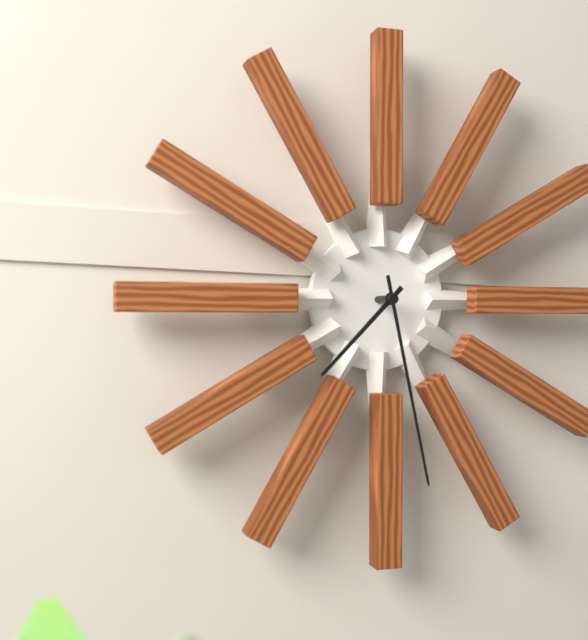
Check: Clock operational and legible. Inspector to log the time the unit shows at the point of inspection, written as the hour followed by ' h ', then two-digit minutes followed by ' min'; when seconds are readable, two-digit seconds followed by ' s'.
7 h 28 min
